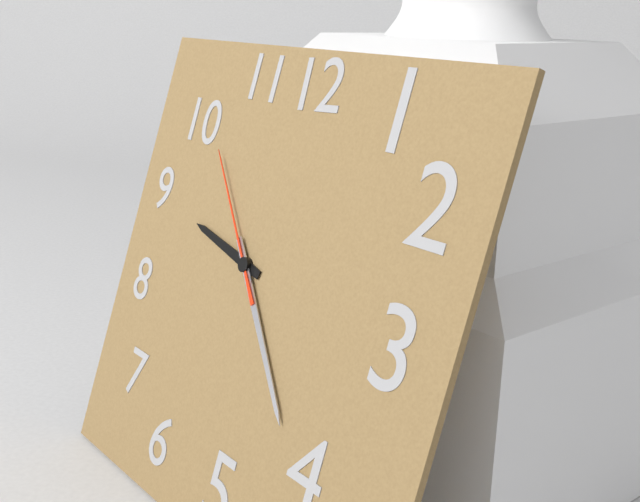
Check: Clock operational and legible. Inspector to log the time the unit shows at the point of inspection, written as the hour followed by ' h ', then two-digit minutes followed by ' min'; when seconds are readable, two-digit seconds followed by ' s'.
9 h 23 min 53 s
